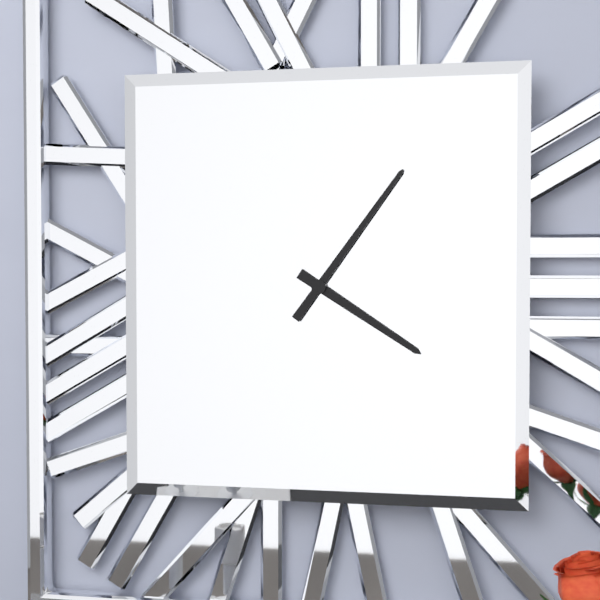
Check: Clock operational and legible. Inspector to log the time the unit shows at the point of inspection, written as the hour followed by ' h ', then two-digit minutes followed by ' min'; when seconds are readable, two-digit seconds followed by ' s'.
4 h 06 min
